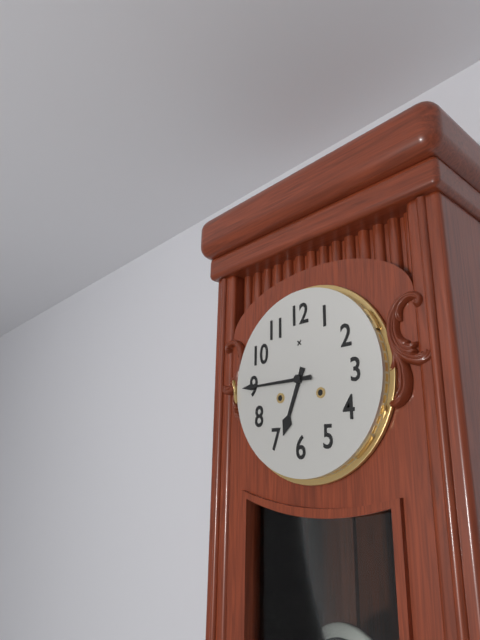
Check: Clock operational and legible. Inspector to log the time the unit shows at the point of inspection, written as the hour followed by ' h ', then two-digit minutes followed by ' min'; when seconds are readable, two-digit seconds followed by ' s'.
6 h 45 min
